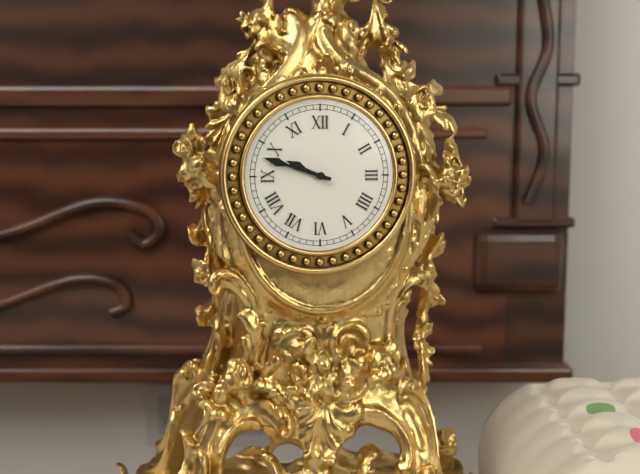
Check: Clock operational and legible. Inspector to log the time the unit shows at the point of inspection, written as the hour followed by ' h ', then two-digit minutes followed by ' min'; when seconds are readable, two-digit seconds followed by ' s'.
9 h 48 min
